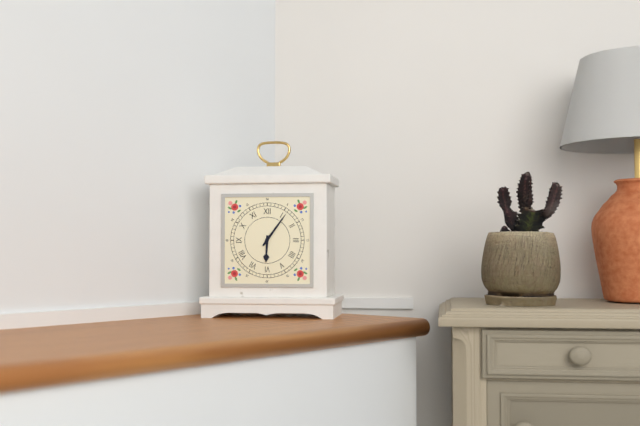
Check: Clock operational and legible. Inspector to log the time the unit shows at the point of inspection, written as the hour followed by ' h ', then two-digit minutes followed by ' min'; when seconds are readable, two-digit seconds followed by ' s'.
6 h 06 min
